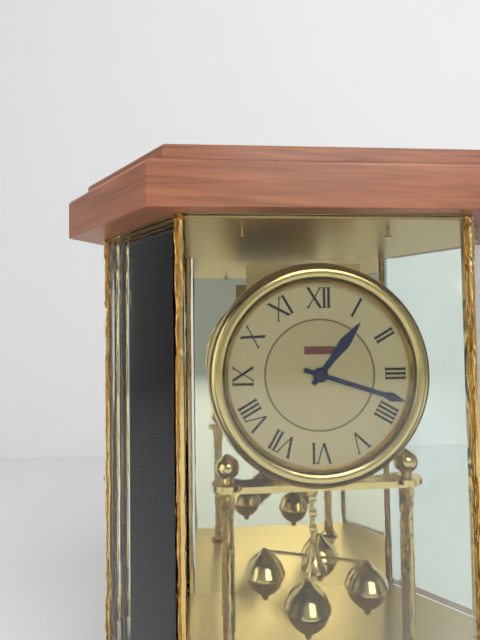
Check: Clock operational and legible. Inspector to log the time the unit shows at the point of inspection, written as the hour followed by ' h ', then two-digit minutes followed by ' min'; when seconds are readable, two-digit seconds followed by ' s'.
1 h 18 min
